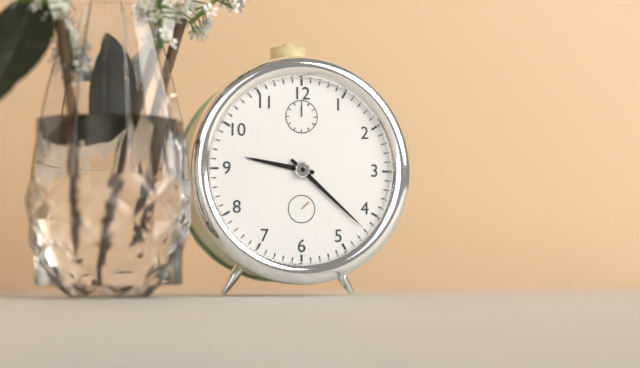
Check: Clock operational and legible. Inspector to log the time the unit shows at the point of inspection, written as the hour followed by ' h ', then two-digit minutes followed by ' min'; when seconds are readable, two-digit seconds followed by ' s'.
9 h 22 min
